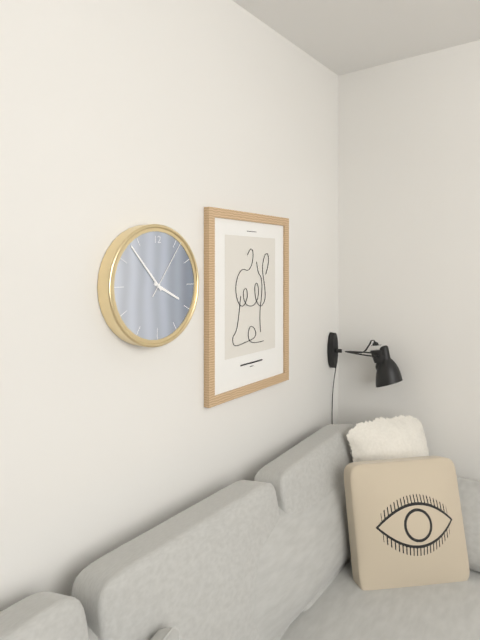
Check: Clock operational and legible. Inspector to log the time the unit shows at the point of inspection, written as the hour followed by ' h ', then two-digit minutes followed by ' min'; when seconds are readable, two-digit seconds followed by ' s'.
3 h 53 min 06 s
